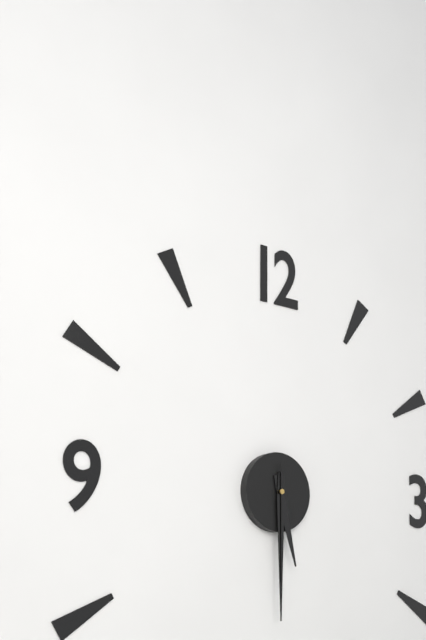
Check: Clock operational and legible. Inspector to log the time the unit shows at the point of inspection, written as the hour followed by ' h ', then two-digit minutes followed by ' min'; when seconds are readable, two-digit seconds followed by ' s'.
5 h 30 min 30 s
